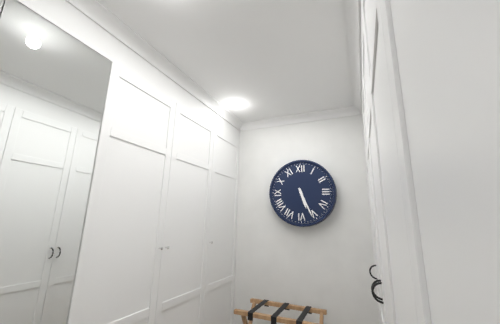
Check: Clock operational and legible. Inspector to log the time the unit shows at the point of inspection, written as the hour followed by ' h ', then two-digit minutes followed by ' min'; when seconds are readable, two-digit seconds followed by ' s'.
5 h 26 min
